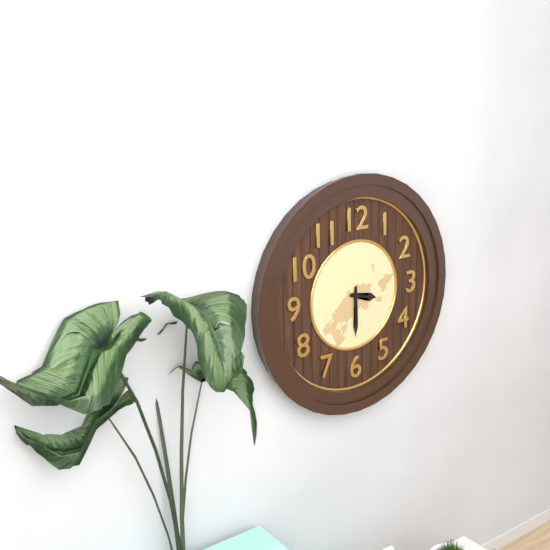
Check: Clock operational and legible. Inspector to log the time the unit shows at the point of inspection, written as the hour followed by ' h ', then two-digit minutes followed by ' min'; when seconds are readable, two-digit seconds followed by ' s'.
3 h 30 min
